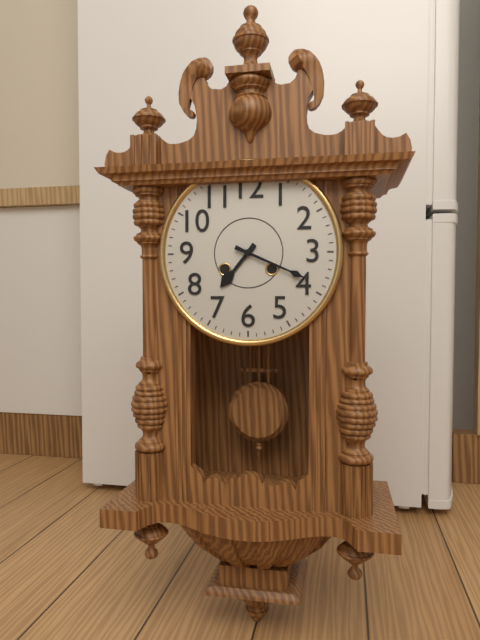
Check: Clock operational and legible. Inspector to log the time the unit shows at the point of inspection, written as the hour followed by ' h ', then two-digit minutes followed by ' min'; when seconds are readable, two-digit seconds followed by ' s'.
7 h 19 min
